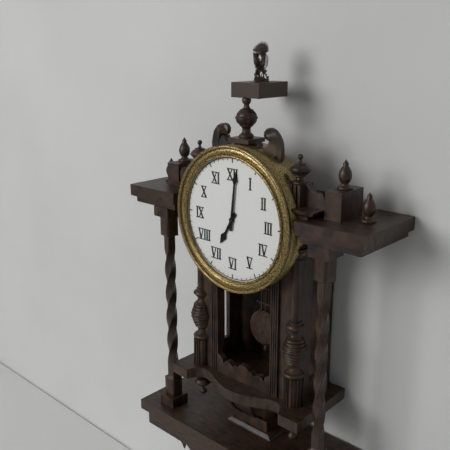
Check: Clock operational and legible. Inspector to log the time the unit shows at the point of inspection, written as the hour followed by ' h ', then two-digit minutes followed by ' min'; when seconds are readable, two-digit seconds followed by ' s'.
7 h 01 min
